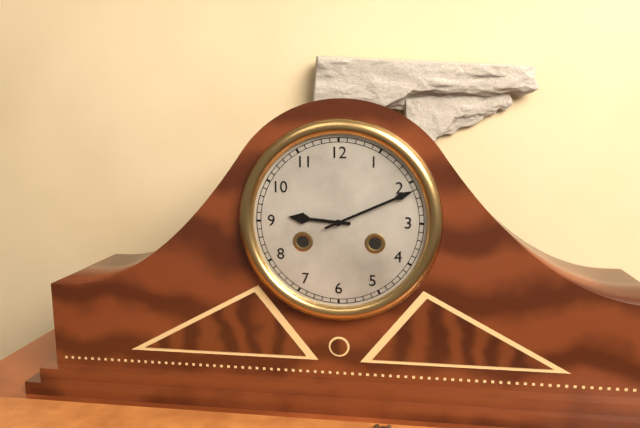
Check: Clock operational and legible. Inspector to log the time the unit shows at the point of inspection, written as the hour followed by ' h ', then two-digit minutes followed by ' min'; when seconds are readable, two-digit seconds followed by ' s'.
9 h 11 min
